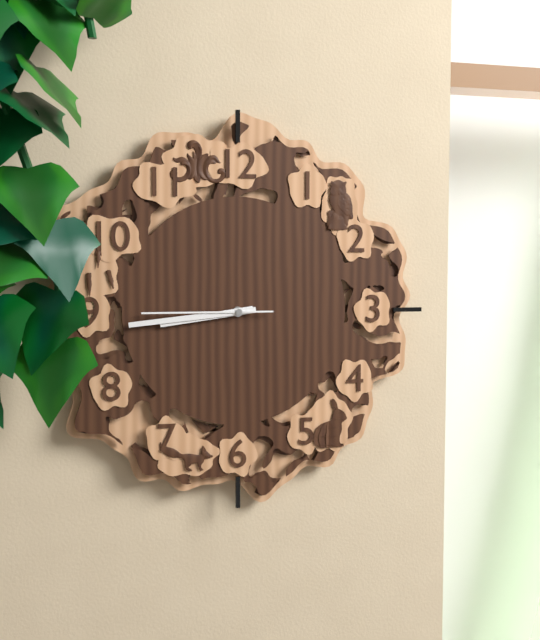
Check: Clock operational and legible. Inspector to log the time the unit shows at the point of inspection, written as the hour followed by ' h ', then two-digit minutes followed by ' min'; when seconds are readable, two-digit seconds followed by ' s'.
8 h 44 min 45 s
